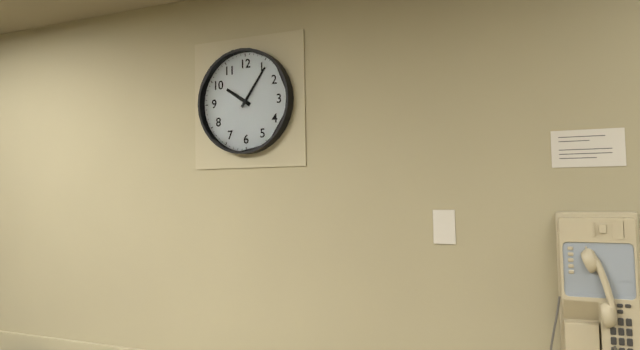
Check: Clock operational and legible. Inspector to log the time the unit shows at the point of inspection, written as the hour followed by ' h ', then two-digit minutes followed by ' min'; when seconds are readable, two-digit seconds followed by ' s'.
10 h 06 min
